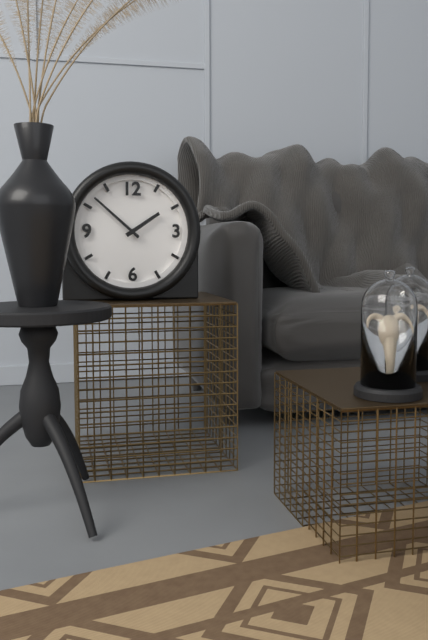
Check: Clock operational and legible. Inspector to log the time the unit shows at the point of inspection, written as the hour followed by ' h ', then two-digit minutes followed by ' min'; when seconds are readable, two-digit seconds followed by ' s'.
1 h 52 min
